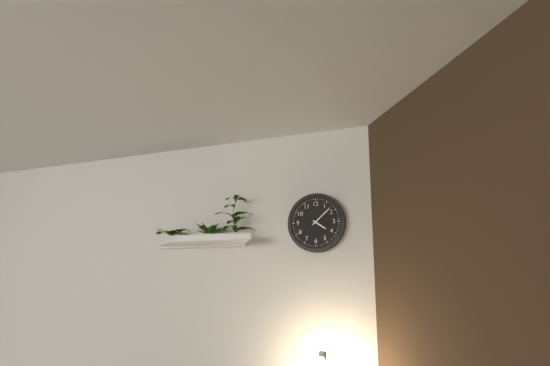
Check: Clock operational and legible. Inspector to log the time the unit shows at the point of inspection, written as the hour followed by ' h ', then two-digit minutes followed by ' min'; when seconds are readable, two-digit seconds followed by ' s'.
4 h 08 min
